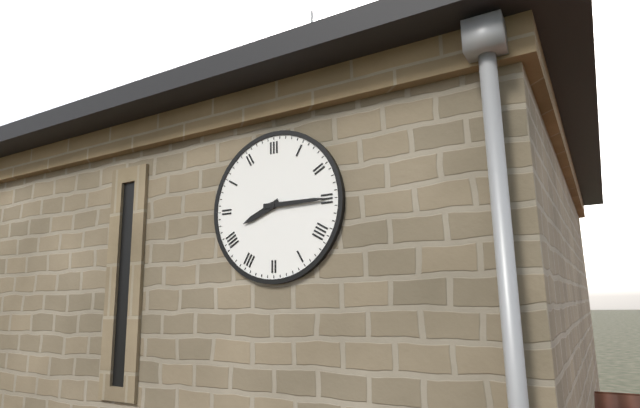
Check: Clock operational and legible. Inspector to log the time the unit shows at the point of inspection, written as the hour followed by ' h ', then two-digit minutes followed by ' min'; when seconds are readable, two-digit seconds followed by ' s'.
8 h 15 min
